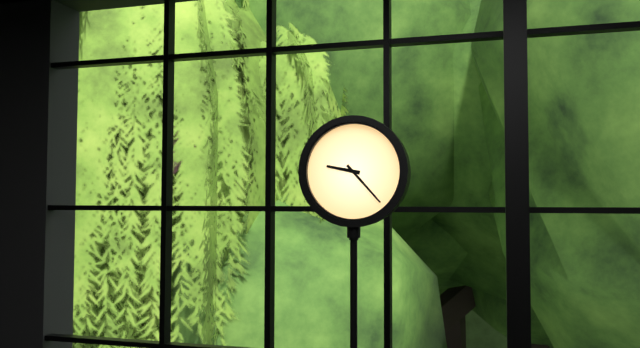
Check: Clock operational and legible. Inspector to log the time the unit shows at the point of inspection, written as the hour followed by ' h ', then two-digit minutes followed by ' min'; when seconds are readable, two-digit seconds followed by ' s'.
9 h 23 min
